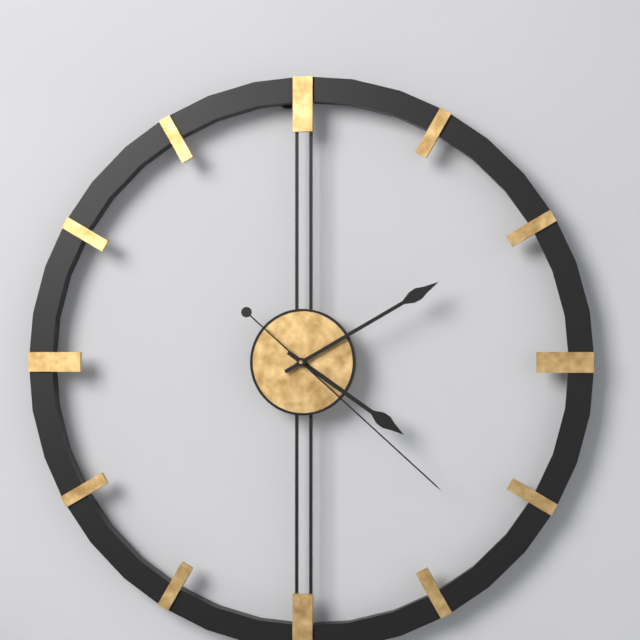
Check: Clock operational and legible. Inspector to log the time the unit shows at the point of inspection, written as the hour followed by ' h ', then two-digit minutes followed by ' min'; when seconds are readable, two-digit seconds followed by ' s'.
4 h 10 min 22 s
